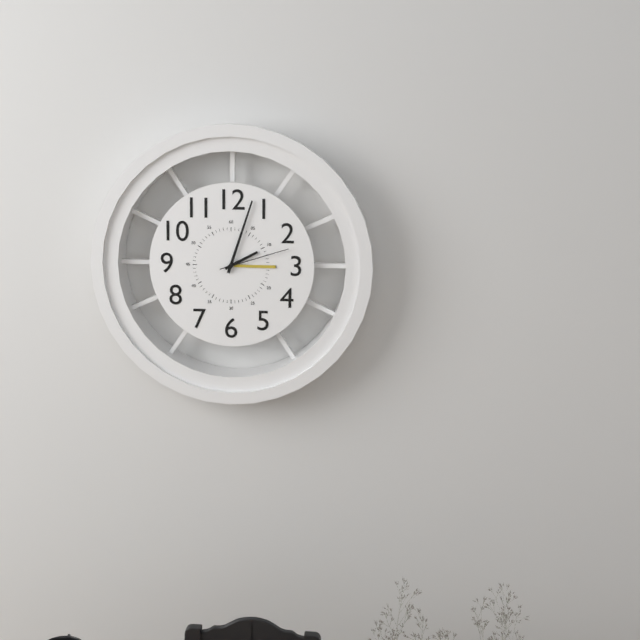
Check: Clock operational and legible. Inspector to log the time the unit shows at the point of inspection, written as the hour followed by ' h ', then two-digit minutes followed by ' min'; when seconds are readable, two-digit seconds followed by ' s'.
2 h 03 min 12 s
